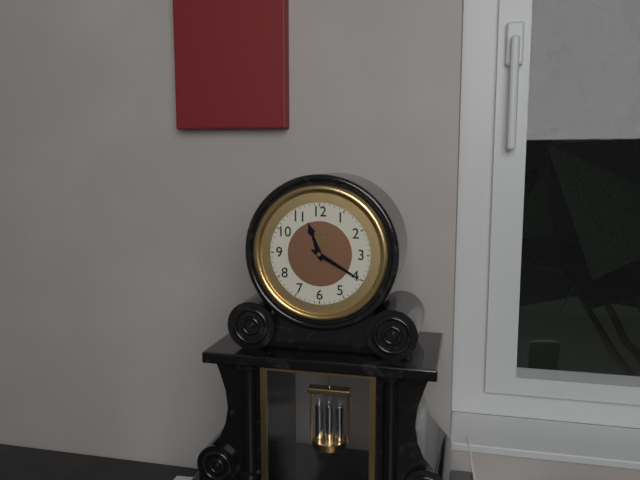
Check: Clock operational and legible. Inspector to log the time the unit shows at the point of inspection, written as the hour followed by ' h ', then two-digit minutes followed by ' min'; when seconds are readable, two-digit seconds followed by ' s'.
11 h 20 min
